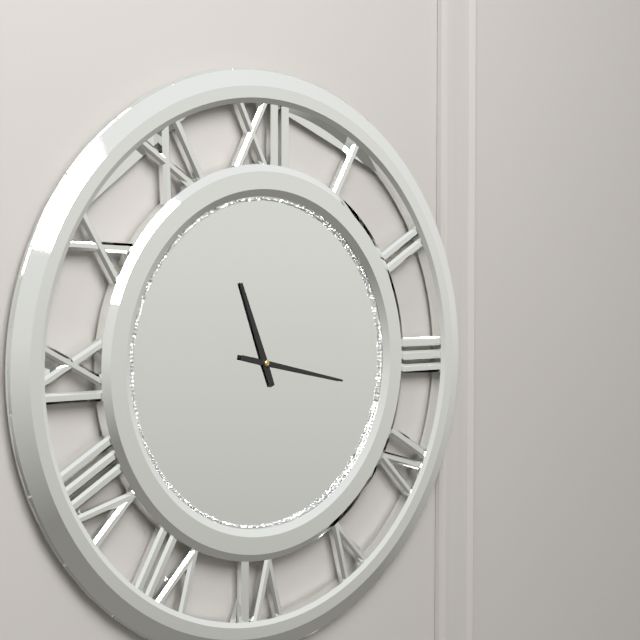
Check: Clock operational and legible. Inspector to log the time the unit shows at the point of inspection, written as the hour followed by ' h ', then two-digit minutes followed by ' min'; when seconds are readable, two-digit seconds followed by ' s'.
11 h 17 min
